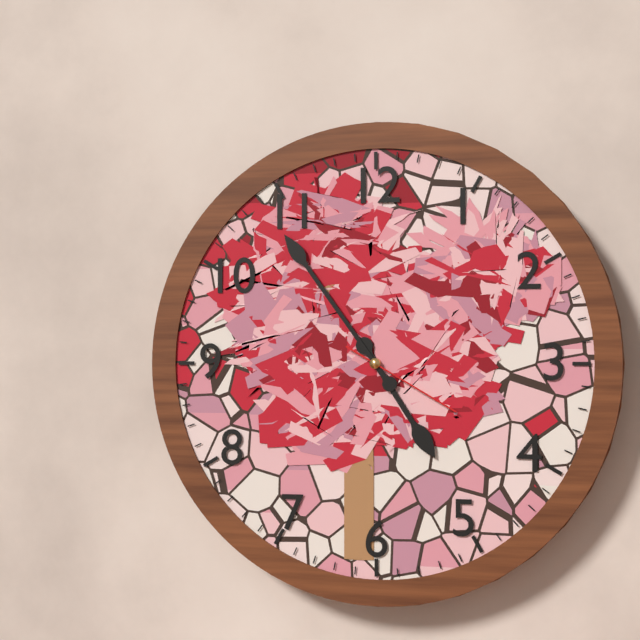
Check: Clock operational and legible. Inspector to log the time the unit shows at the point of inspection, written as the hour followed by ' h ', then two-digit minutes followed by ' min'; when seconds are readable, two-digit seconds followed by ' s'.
4 h 54 min 20 s
